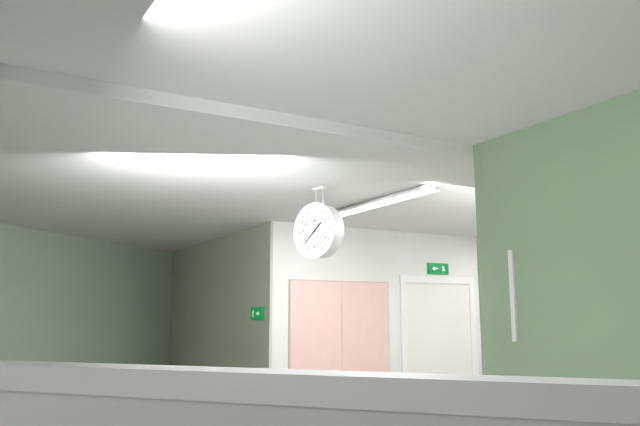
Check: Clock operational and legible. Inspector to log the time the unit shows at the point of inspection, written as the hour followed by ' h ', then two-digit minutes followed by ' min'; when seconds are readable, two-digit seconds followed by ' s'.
1 h 38 min
